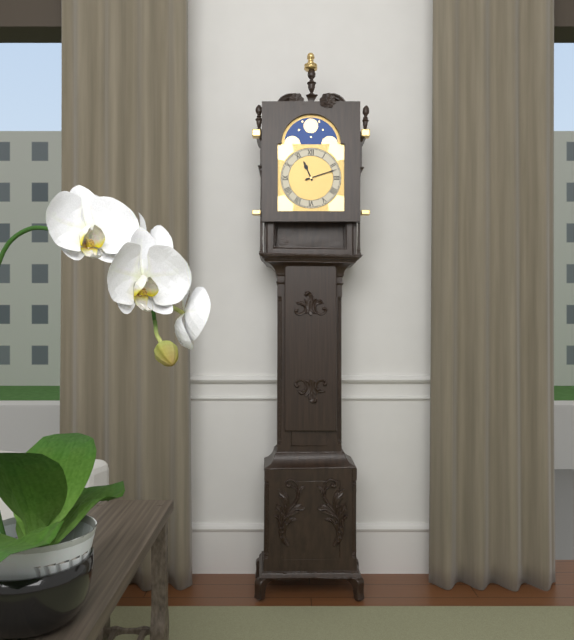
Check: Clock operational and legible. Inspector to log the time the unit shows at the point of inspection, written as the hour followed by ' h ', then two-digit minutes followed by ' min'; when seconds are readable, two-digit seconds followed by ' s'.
11 h 12 min
